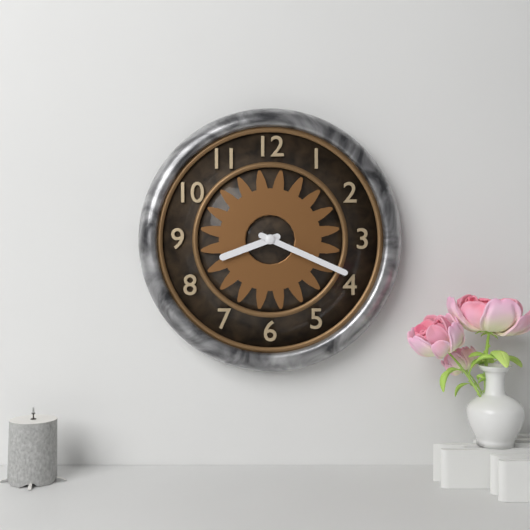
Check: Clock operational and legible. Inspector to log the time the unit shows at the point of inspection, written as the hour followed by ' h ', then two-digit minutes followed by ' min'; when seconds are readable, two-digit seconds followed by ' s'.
8 h 19 min
